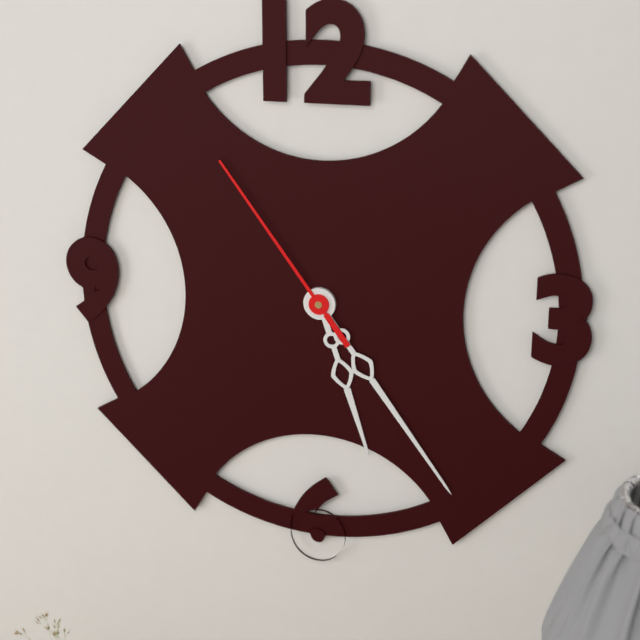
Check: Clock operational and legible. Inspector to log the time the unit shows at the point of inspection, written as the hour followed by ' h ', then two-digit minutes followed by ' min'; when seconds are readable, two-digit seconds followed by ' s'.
5 h 24 min 54 s
